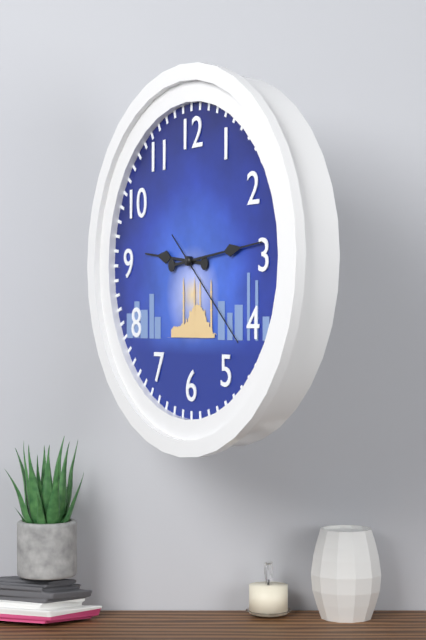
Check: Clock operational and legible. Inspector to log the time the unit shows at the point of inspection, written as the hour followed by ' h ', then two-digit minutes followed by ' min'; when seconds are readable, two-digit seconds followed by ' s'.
9 h 14 min 22 s
